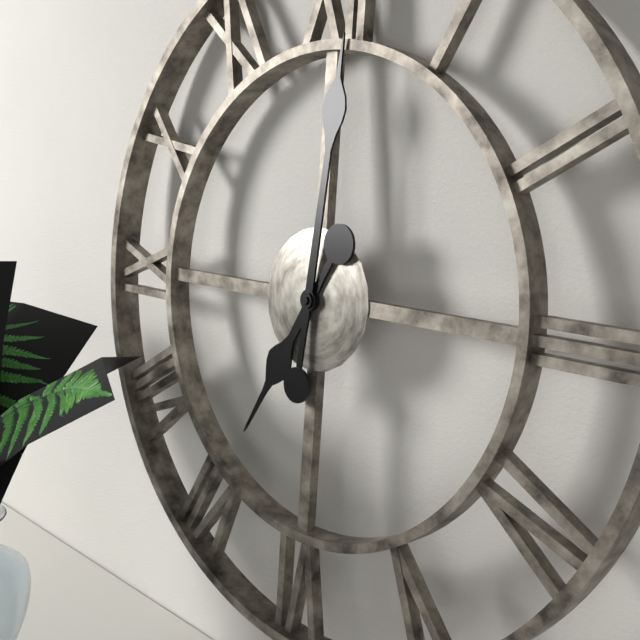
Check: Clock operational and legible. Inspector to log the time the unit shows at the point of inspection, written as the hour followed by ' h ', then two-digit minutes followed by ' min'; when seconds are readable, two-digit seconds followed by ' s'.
7 h 01 min
